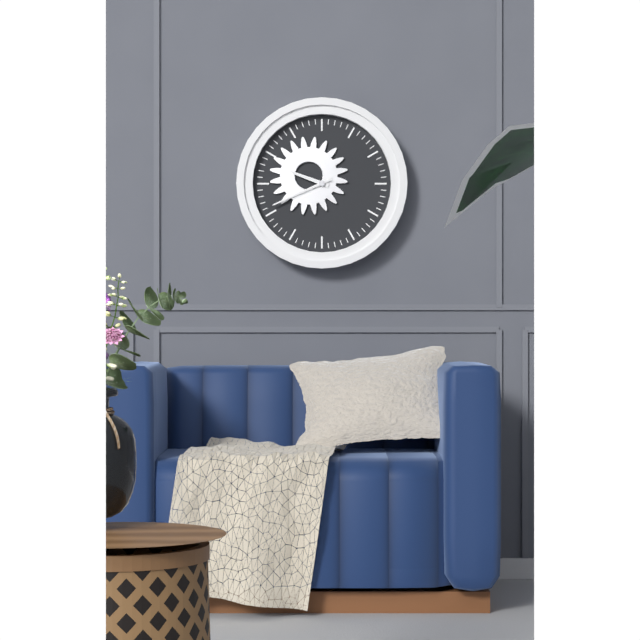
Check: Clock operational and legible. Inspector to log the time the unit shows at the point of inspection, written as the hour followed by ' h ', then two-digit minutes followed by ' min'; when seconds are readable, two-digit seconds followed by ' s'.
9 h 41 min
